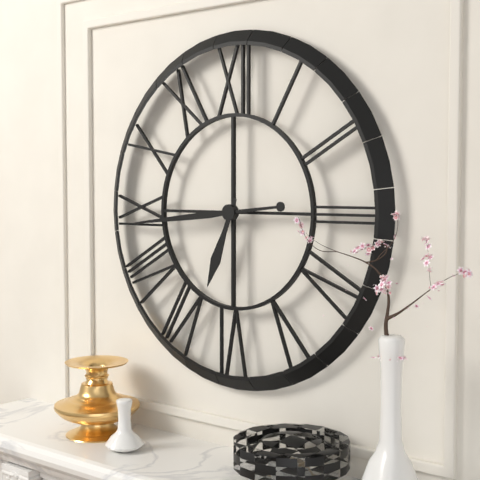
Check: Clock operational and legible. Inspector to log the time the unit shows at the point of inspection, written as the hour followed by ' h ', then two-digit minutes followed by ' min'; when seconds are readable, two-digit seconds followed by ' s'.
6 h 44 min
